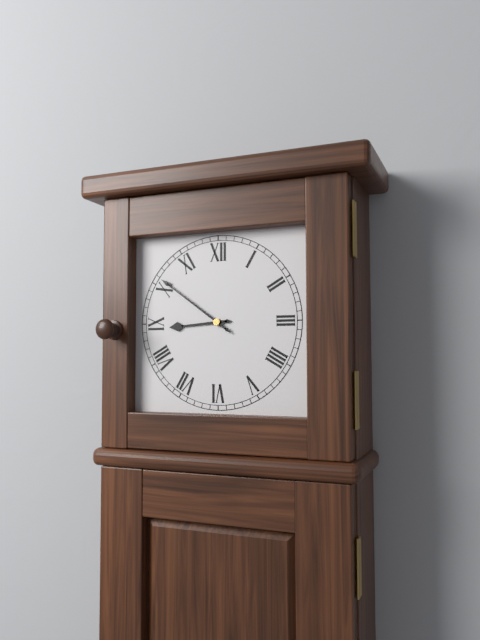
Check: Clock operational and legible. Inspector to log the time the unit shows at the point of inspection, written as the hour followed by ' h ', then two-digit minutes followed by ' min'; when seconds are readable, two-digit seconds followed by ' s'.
8 h 51 min
